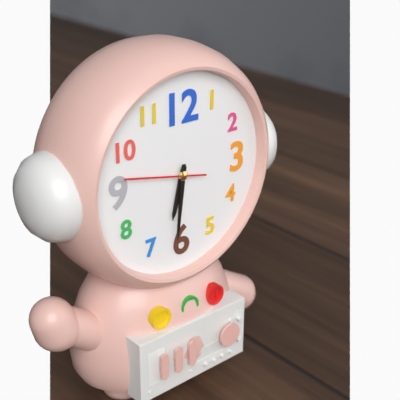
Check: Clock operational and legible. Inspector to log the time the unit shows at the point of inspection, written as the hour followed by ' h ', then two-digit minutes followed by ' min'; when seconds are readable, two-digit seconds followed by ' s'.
6 h 31 min 47 s
